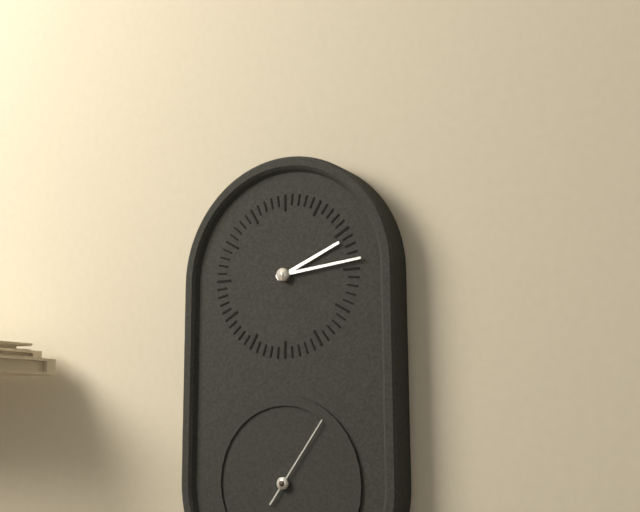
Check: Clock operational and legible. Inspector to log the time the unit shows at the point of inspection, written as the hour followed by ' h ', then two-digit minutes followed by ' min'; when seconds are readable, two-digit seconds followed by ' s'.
2 h 14 min 06 s
